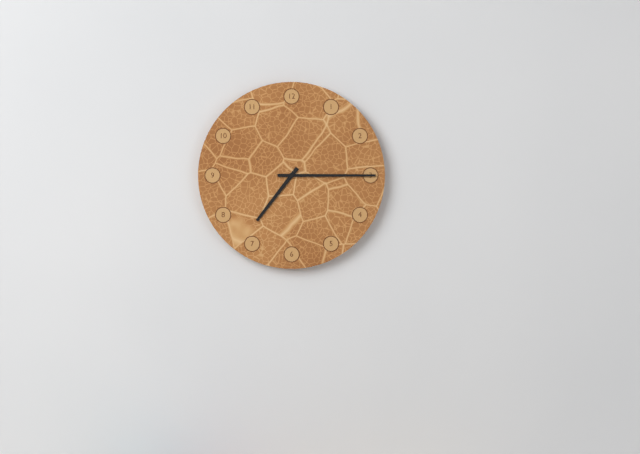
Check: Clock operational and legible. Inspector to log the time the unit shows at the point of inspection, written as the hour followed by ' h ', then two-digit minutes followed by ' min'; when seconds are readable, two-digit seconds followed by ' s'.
7 h 15 min
